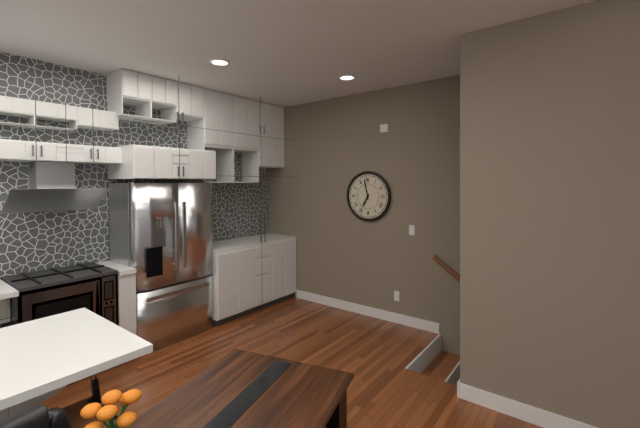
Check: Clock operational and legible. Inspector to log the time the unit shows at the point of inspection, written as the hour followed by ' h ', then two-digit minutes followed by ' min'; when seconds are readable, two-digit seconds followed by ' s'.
6 h 58 min
